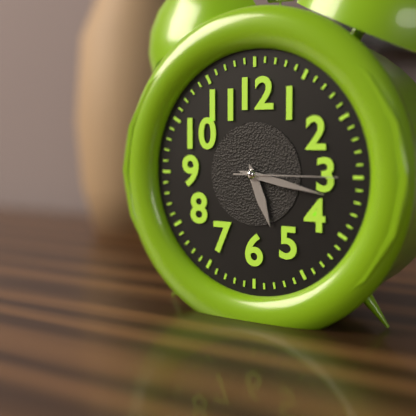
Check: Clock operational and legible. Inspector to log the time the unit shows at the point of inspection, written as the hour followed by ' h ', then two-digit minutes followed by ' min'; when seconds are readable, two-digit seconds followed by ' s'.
5 h 17 min 15 s
